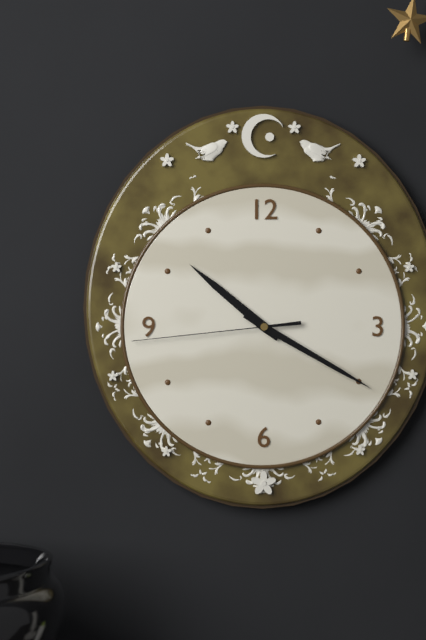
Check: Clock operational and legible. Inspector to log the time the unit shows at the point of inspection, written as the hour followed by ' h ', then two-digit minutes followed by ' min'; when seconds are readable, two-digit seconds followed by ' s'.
10 h 20 min 44 s
